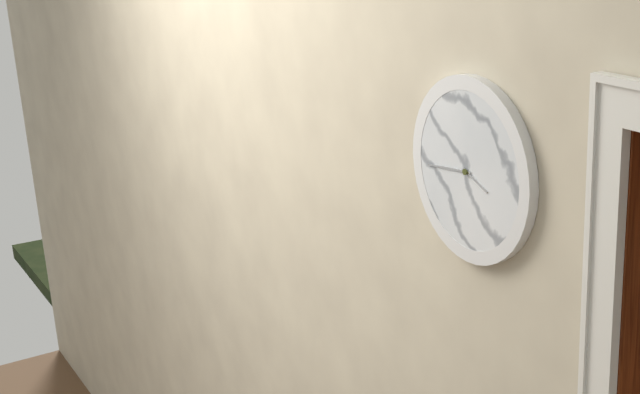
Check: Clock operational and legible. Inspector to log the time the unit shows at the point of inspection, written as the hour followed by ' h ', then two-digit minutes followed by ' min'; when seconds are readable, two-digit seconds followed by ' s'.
3 h 44 min
